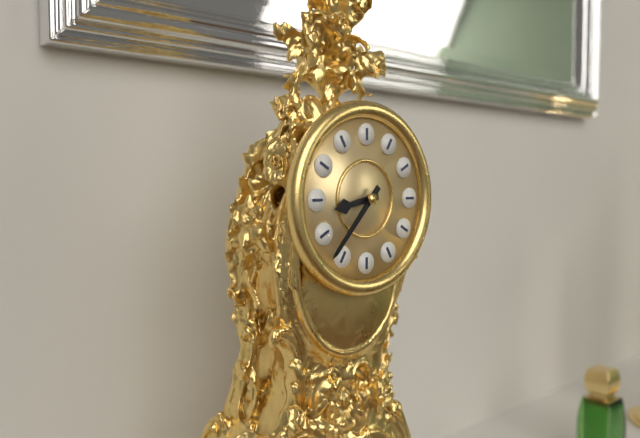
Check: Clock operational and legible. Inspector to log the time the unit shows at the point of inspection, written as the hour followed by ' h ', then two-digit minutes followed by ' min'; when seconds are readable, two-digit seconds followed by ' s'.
8 h 37 min
